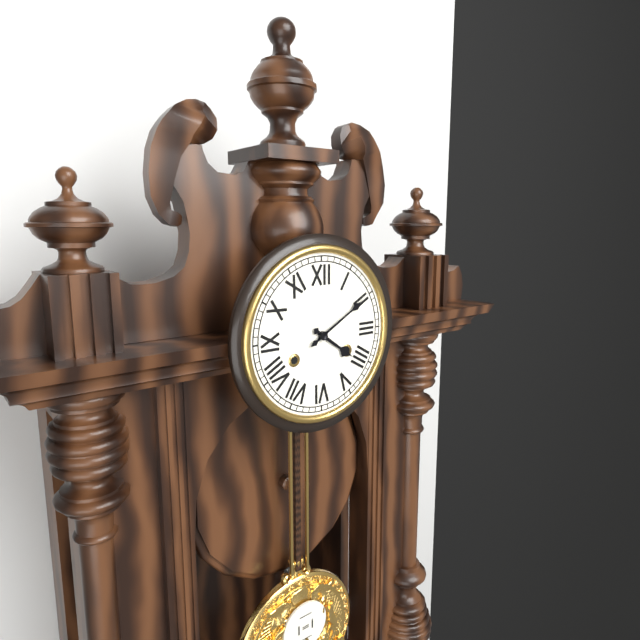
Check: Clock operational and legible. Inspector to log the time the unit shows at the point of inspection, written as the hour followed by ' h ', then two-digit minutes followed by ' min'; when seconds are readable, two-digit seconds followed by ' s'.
4 h 10 min
